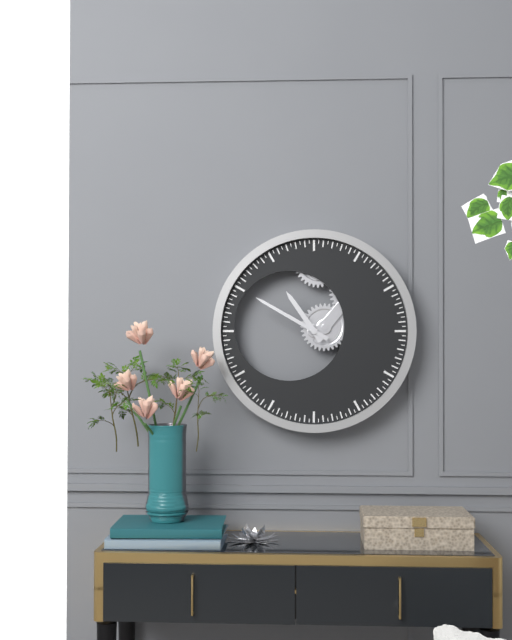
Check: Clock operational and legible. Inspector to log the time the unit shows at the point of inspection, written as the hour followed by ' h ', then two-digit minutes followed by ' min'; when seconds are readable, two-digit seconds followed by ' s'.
10 h 50 min
